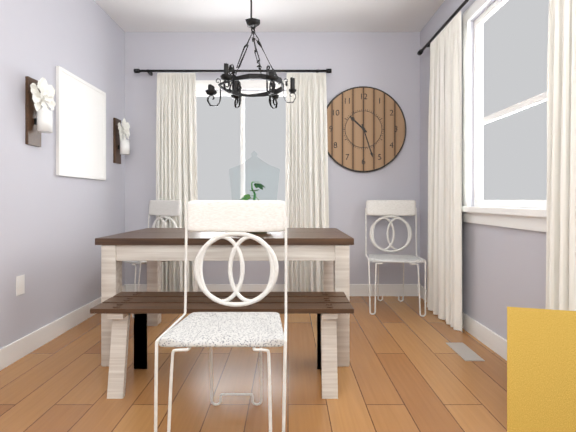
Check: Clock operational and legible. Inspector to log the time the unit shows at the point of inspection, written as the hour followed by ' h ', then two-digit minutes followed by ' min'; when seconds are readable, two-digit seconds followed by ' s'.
10 h 27 min
